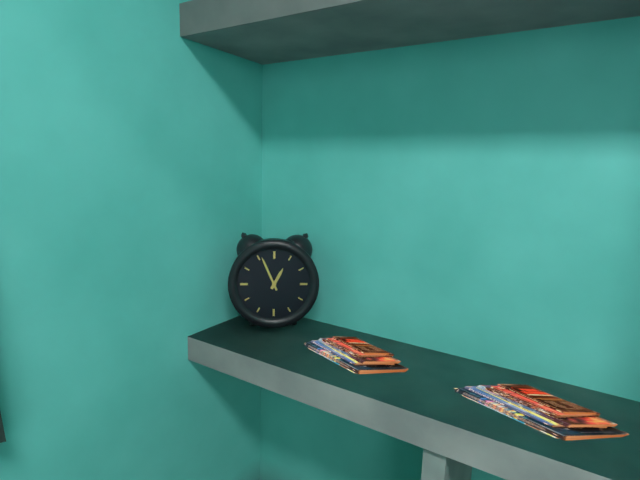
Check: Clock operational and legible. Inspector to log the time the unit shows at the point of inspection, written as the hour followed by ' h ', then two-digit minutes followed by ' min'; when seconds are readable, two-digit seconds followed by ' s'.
12 h 56 min
